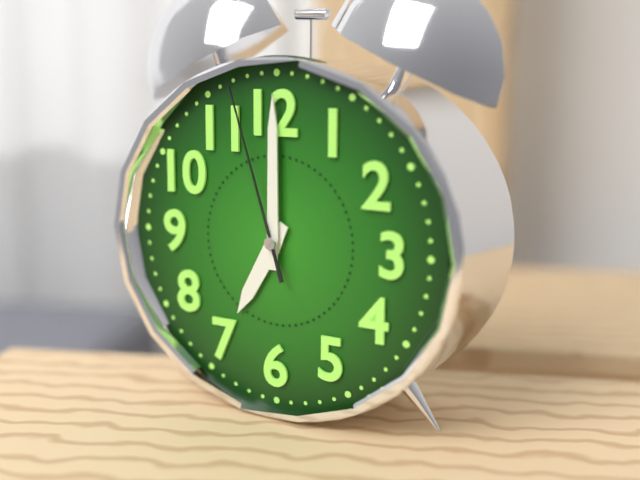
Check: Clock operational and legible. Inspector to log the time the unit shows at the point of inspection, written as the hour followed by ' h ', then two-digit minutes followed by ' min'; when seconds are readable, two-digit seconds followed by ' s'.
7 h 00 min 57 s
